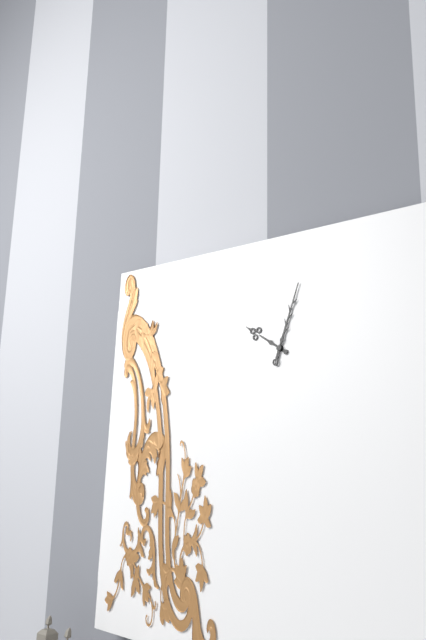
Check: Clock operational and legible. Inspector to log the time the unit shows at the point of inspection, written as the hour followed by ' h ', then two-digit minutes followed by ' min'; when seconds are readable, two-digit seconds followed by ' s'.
10 h 03 min
